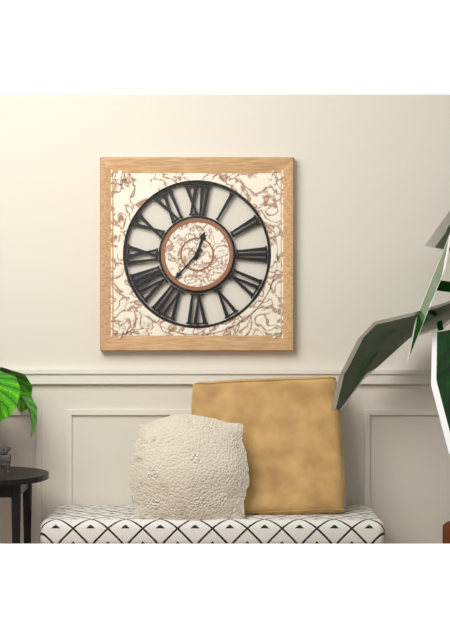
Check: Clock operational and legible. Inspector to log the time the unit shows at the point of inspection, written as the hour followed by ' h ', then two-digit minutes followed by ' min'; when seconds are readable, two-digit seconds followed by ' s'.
12 h 37 min
